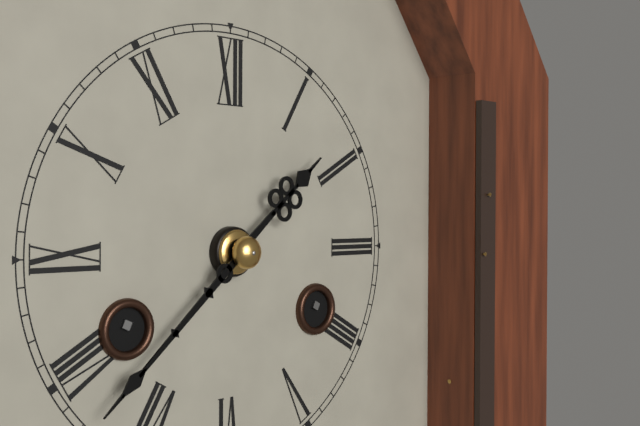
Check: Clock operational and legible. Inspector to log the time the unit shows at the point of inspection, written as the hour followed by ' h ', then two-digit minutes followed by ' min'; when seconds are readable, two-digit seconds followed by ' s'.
1 h 38 min
